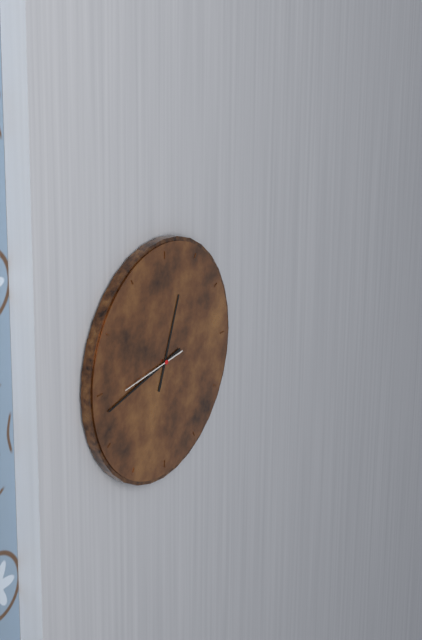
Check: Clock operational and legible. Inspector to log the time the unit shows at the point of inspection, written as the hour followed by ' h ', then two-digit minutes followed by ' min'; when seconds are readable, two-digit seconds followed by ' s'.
12 h 43 min 44 s
